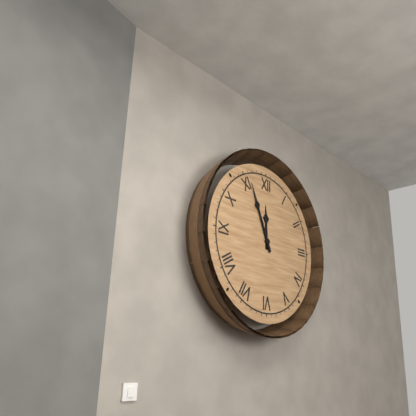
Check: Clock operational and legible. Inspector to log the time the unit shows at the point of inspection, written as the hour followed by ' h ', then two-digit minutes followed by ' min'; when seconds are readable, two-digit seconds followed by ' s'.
11 h 56 min
